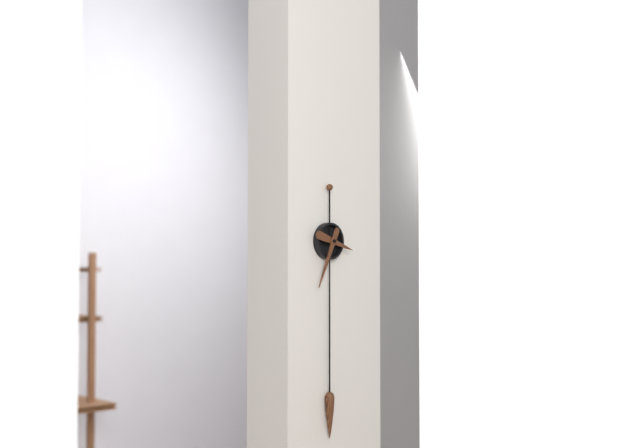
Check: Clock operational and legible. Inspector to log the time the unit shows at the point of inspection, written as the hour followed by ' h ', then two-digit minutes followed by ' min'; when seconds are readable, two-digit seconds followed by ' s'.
3 h 34 min
